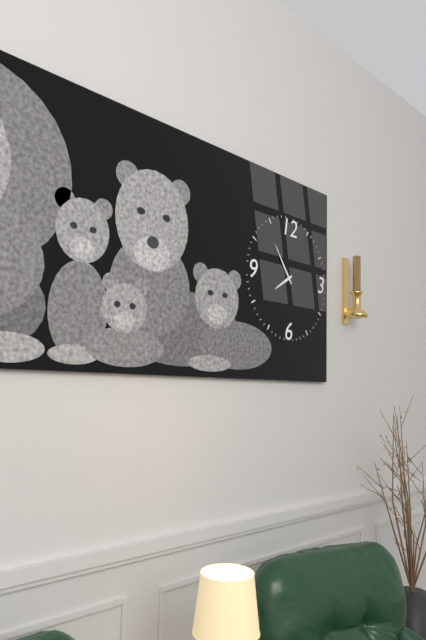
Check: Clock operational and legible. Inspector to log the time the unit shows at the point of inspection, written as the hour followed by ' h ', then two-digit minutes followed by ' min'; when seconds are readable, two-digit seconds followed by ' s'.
7 h 54 min
